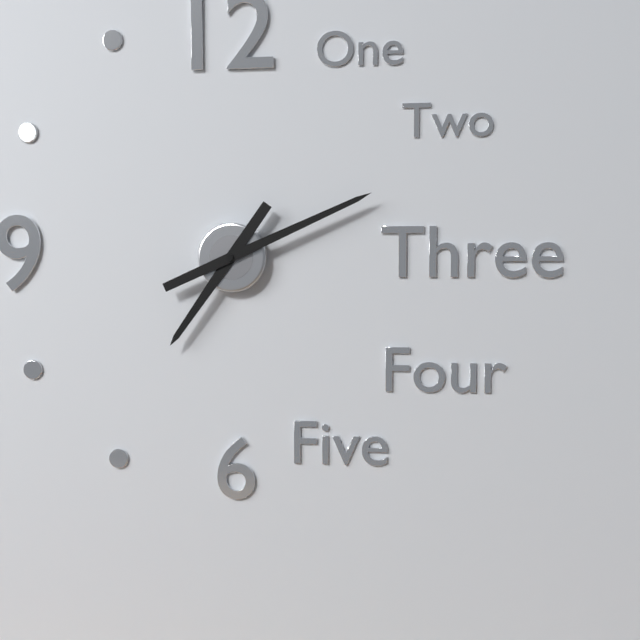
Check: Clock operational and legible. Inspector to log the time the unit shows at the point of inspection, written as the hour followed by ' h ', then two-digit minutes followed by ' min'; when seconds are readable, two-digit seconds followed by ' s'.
7 h 11 min
